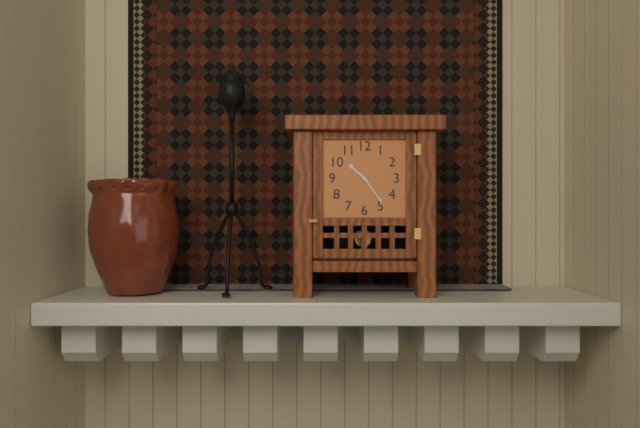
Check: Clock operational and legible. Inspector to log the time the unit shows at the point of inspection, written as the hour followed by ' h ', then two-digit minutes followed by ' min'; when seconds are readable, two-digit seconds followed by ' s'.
10 h 24 min
